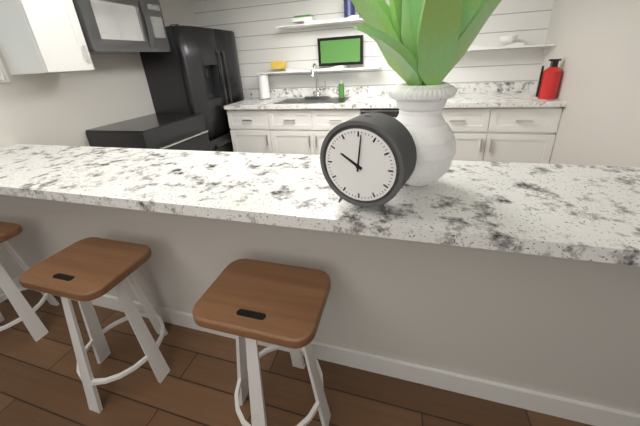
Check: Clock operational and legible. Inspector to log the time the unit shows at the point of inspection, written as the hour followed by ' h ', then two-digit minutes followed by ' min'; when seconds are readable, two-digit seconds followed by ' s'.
10 h 01 min
